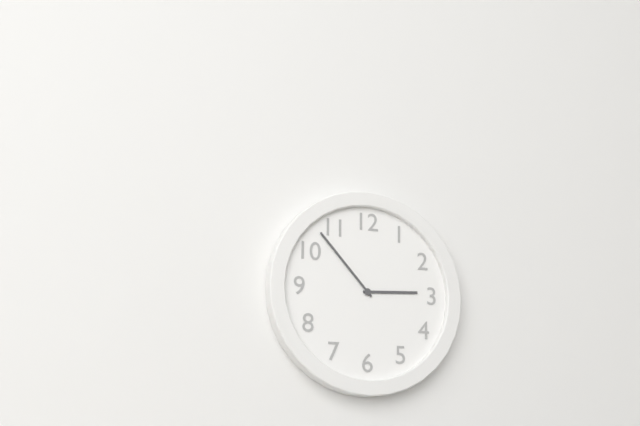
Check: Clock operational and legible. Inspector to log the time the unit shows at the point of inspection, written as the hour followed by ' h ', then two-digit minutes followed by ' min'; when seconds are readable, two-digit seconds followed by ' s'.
2 h 53 min
